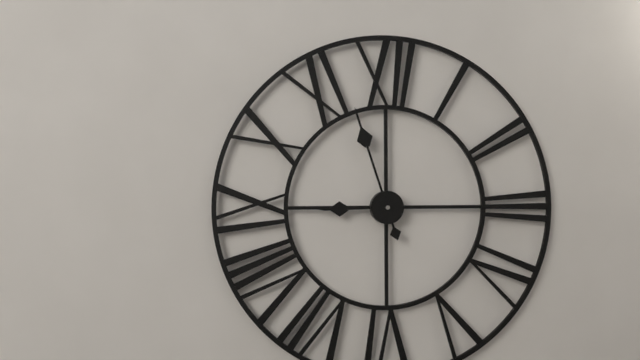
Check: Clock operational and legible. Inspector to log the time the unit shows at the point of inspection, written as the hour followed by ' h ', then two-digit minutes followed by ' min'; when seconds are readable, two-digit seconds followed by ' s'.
8 h 57 min
